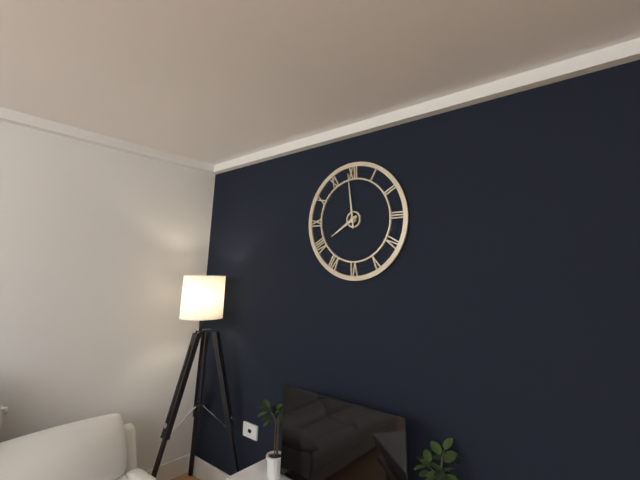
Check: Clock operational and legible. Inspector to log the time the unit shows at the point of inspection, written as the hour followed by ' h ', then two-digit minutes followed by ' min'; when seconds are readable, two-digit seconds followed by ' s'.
7 h 59 min
